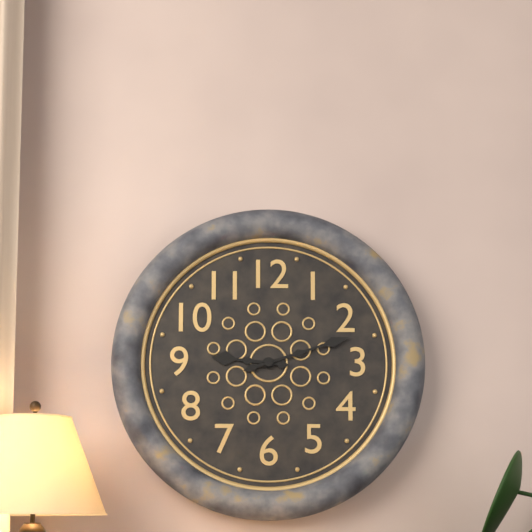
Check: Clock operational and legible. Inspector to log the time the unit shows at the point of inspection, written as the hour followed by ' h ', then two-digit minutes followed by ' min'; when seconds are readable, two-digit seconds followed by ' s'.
9 h 12 min
